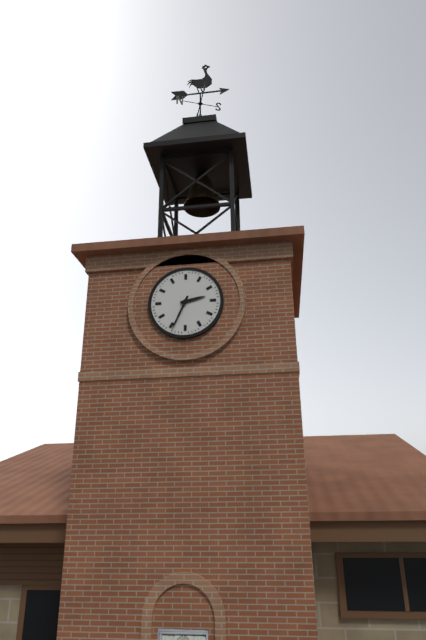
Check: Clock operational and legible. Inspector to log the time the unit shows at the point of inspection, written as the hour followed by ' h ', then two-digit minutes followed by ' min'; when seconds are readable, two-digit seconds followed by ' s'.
2 h 34 min
